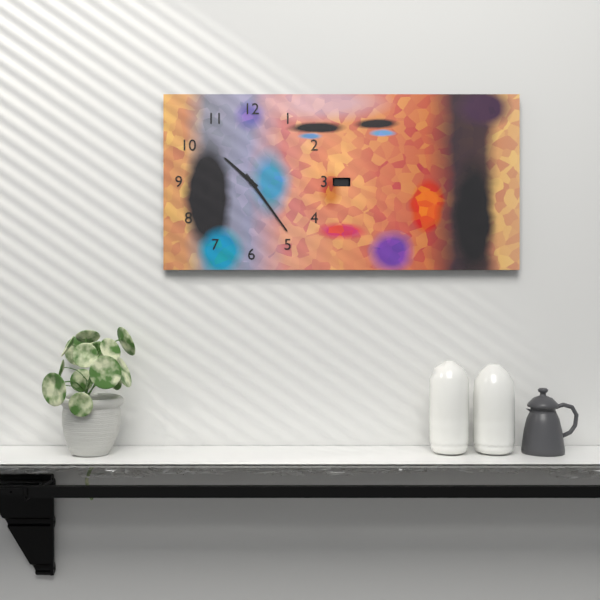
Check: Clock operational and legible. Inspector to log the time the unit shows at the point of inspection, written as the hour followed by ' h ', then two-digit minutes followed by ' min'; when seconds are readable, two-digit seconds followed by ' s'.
10 h 24 min
